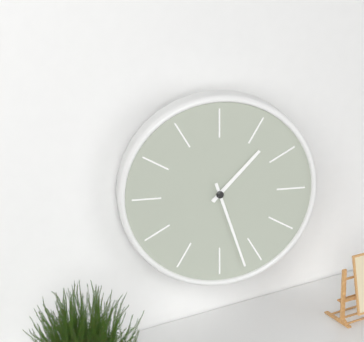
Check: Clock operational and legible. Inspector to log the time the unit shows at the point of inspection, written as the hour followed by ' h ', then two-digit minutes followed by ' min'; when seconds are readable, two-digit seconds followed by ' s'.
1 h 27 min
